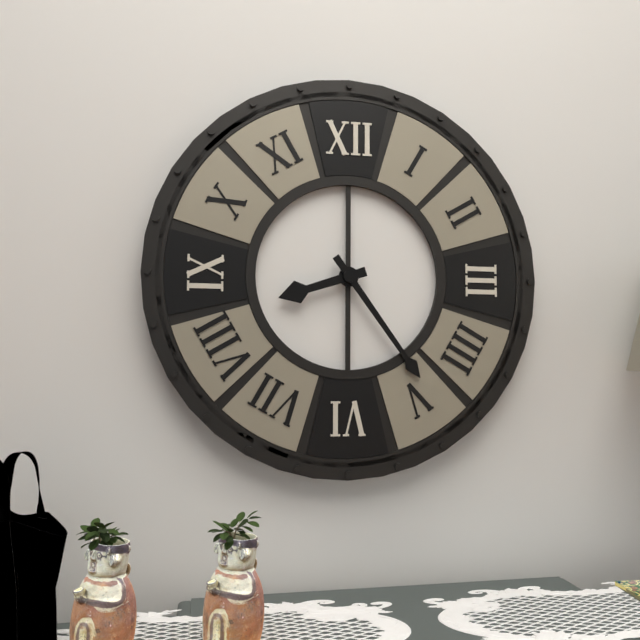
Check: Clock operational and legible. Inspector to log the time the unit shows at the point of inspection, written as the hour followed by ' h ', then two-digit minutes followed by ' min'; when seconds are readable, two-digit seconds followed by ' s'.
8 h 24 min
